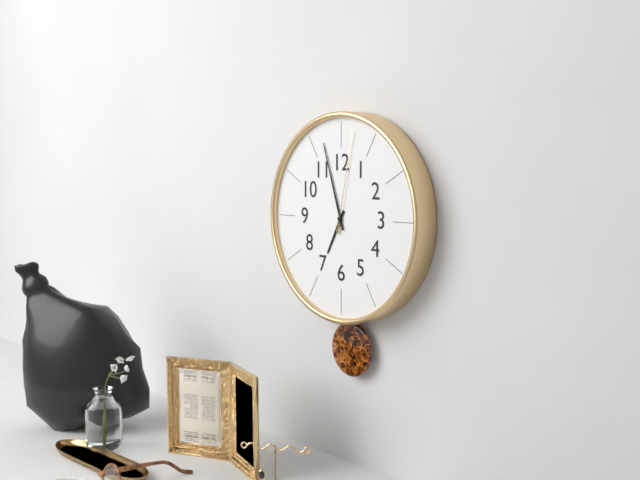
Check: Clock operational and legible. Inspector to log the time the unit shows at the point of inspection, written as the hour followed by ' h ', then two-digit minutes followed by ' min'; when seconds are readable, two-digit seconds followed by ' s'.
6 h 57 min 02 s
